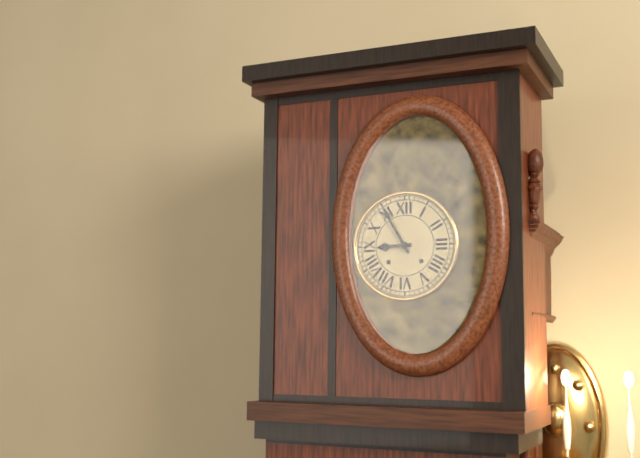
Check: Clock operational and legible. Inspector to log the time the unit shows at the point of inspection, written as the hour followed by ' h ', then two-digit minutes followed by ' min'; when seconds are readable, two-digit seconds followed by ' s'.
8 h 55 min
